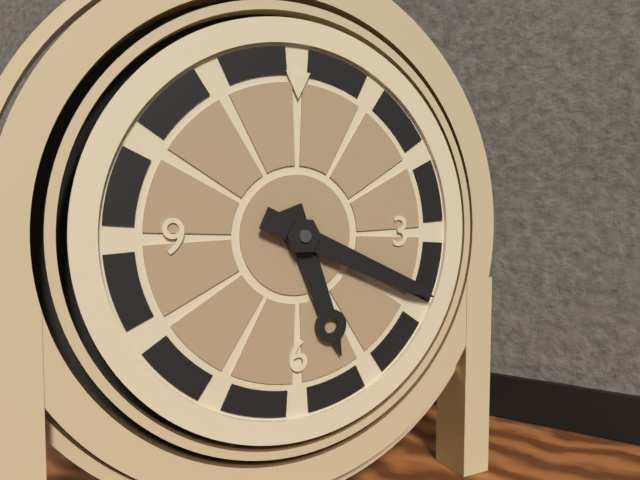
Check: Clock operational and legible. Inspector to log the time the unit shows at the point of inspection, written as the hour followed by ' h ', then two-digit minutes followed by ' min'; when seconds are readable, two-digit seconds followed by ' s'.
5 h 19 min
